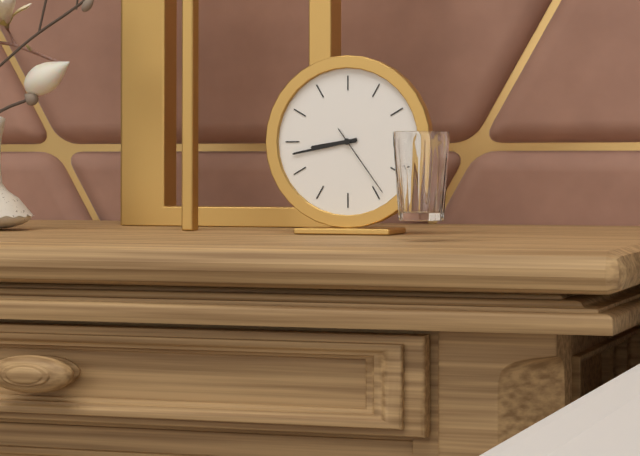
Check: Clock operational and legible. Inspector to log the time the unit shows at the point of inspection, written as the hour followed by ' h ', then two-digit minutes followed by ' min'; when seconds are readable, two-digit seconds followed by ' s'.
8 h 43 min 24 s
